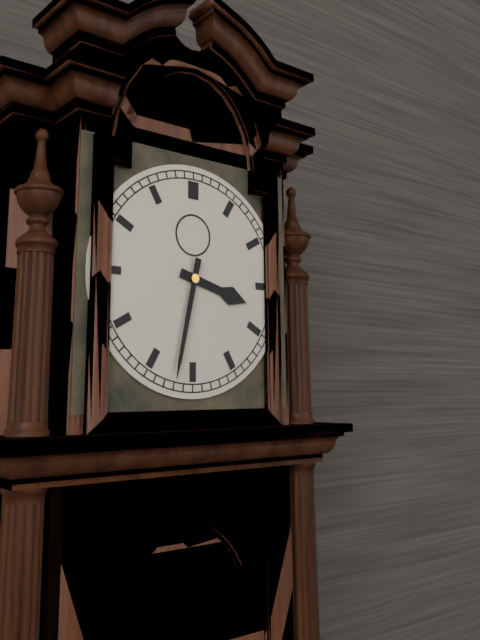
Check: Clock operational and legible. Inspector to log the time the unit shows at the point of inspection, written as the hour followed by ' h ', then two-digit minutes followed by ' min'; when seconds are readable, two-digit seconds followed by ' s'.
3 h 32 min
